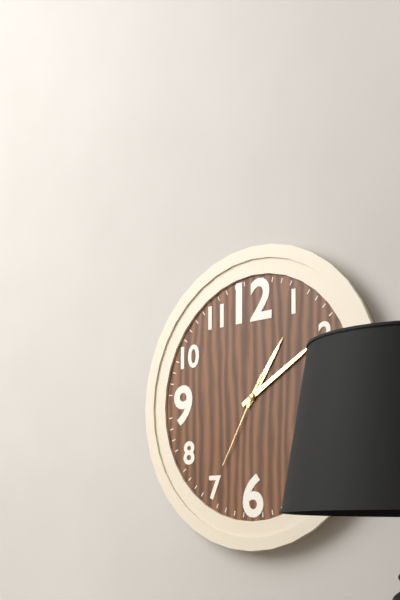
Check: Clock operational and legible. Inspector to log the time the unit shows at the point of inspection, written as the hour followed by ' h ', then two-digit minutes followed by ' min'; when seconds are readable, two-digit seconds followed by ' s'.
1 h 10 min 35 s
